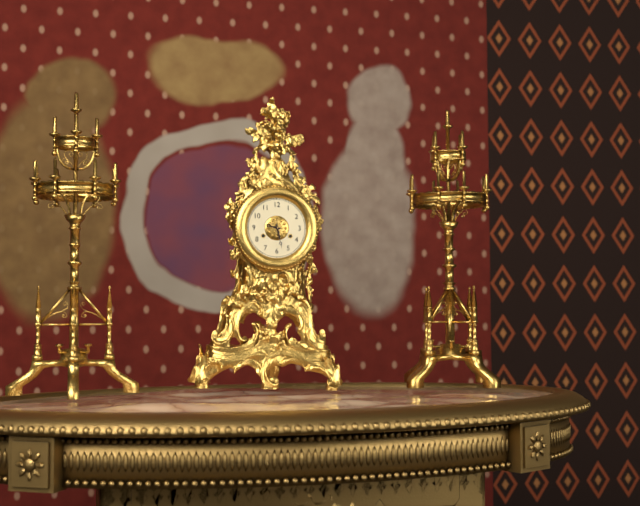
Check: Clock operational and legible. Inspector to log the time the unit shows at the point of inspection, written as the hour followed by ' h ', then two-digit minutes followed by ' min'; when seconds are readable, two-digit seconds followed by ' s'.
9 h 28 min
